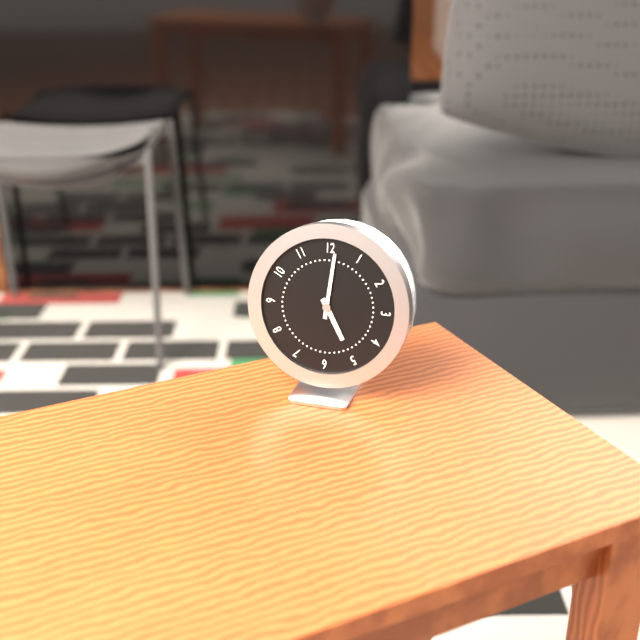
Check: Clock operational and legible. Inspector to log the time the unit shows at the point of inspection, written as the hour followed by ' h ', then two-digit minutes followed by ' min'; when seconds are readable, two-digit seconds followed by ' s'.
5 h 01 min
